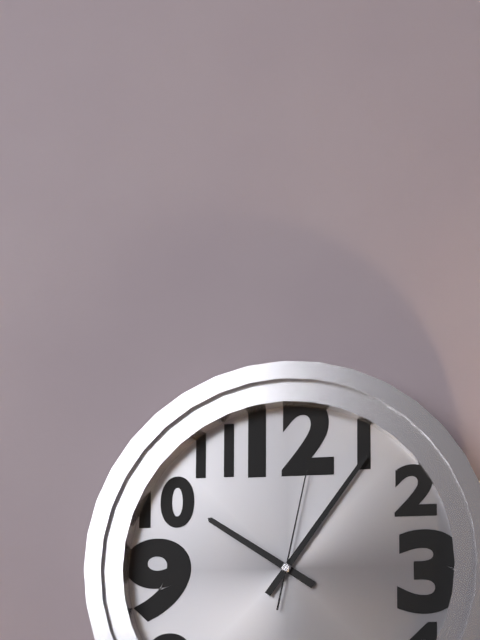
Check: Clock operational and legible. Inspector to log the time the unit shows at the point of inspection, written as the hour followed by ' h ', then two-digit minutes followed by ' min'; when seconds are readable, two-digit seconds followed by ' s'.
10 h 06 min 02 s
